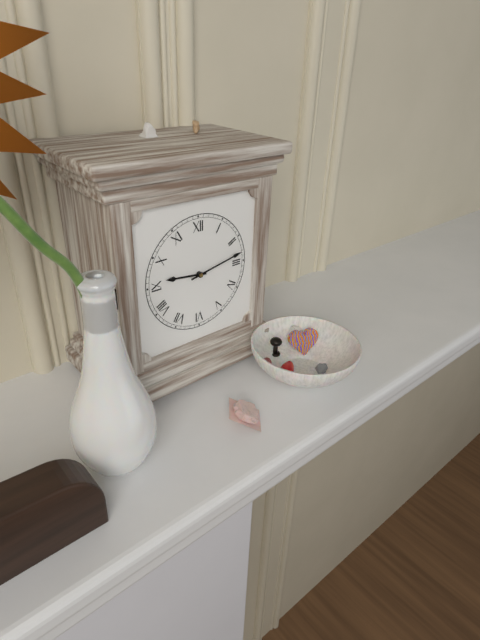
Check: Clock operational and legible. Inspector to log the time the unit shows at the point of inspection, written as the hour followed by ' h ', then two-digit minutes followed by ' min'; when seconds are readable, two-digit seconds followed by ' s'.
9 h 13 min
